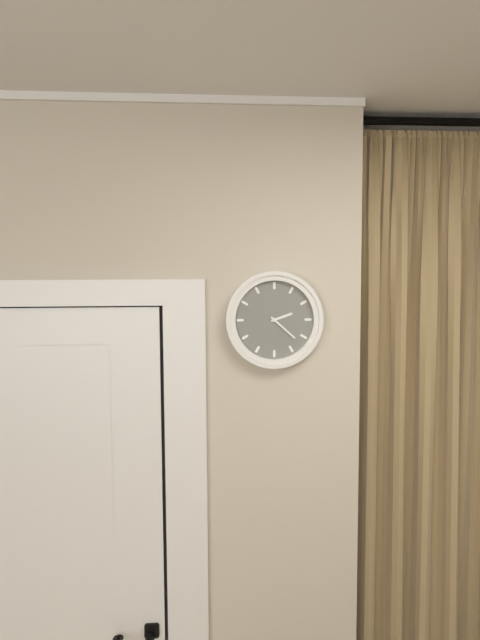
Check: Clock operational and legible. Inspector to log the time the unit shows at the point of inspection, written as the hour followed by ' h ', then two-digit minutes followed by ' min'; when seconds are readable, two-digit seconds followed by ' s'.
2 h 22 min
